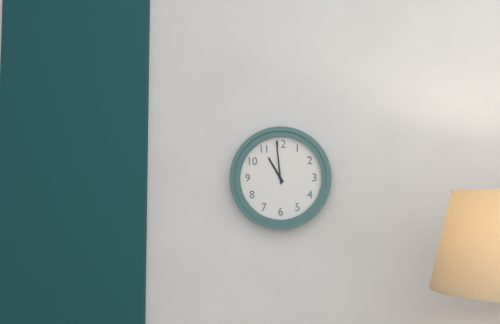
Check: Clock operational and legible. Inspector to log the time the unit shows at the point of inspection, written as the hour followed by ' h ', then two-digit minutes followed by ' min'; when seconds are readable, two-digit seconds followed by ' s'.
10 h 59 min
